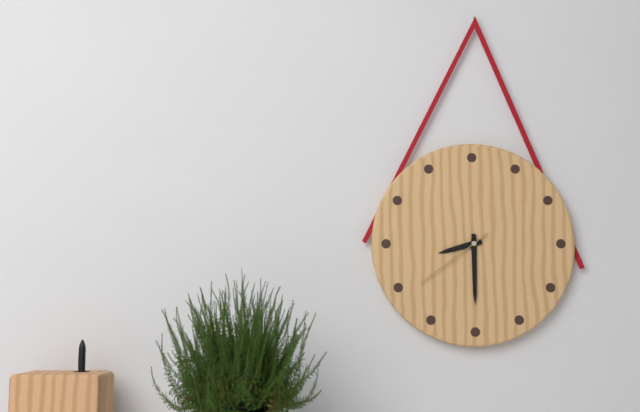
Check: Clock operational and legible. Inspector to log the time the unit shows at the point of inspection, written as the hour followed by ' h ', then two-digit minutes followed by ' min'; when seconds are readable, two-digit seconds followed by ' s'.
8 h 30 min 39 s
